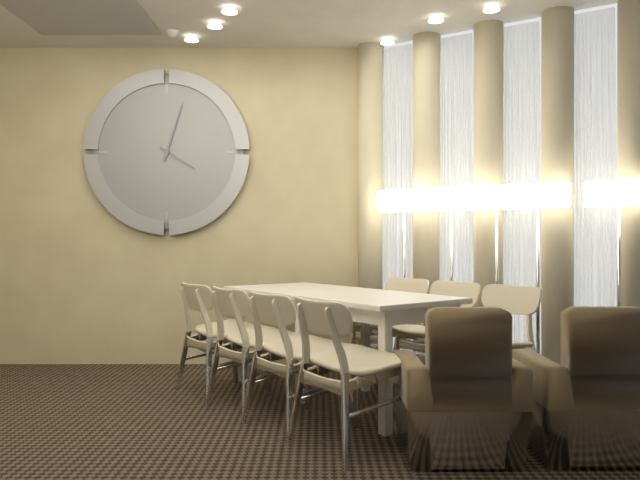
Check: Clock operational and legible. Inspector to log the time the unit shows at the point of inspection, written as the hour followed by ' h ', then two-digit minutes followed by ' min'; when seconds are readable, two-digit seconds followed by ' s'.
4 h 03 min
